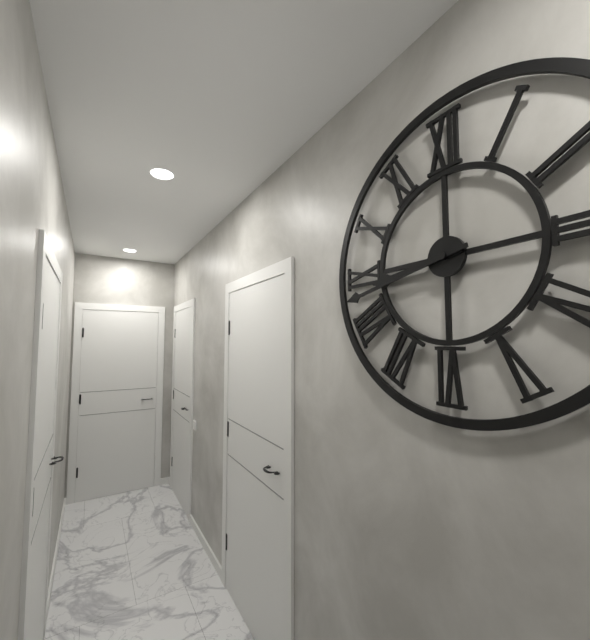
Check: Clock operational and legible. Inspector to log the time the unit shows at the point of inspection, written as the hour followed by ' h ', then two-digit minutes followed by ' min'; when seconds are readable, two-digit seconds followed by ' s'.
8 h 43 min
